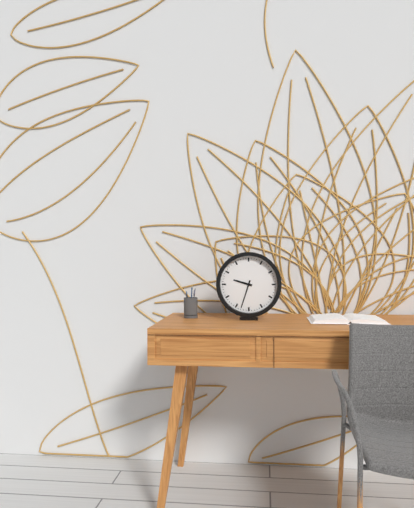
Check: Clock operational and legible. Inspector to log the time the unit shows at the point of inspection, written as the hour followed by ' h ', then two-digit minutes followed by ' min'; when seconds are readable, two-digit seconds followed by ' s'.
9 h 33 min
